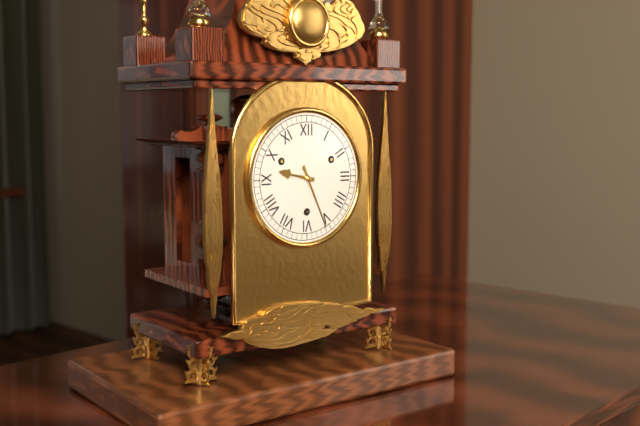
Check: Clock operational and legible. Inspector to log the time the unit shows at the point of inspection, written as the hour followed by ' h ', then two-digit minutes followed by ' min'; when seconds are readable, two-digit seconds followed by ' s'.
9 h 26 min
